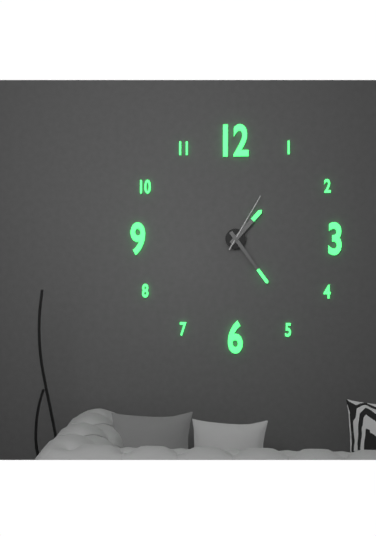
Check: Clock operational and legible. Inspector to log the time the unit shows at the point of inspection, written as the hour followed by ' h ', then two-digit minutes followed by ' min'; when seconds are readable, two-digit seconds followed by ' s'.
1 h 24 min 05 s
